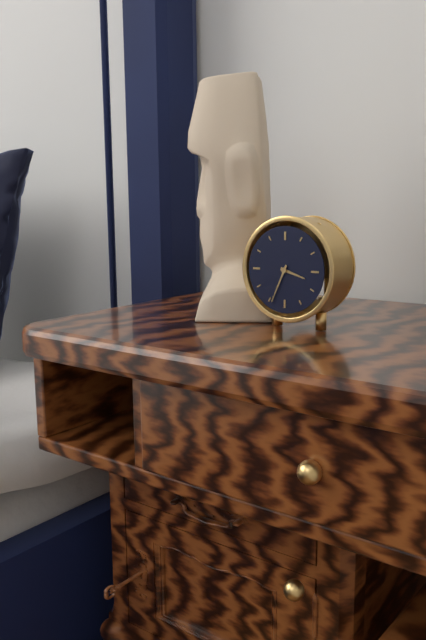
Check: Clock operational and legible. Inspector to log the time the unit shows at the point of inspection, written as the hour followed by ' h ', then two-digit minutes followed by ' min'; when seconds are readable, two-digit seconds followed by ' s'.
3 h 34 min
